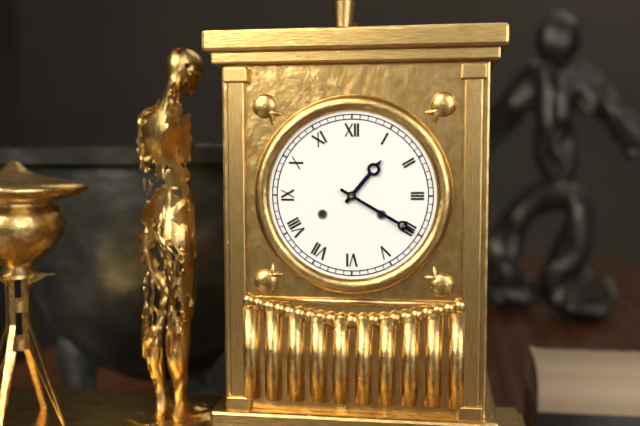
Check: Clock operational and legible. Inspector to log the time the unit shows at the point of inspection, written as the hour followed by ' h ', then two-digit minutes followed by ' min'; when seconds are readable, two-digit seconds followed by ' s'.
1 h 20 min
